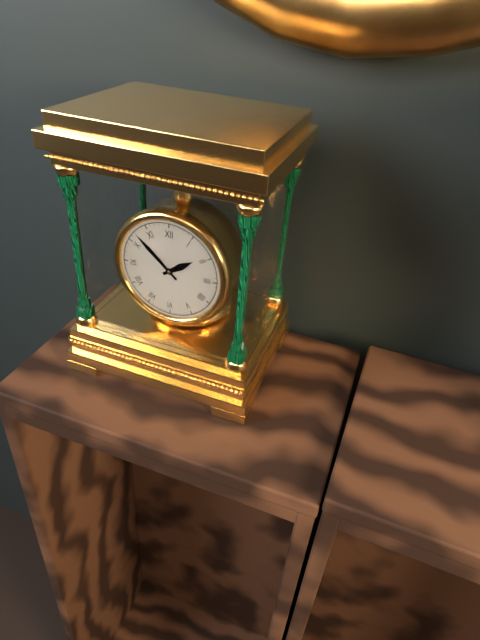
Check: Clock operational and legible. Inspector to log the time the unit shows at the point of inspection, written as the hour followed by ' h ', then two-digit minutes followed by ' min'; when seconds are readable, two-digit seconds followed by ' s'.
1 h 52 min
